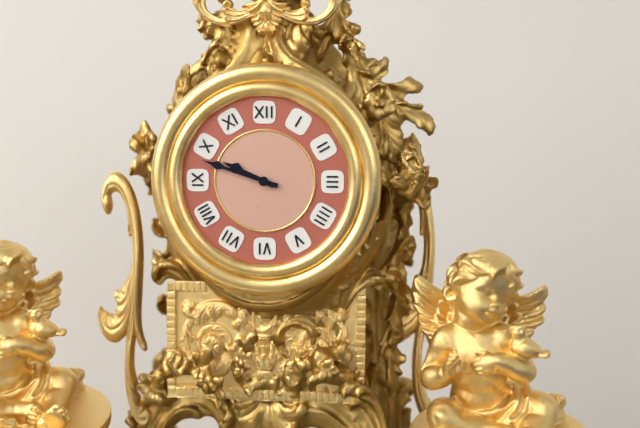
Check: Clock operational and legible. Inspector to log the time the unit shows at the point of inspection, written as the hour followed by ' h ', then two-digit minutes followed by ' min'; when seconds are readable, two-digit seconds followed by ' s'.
9 h 48 min
